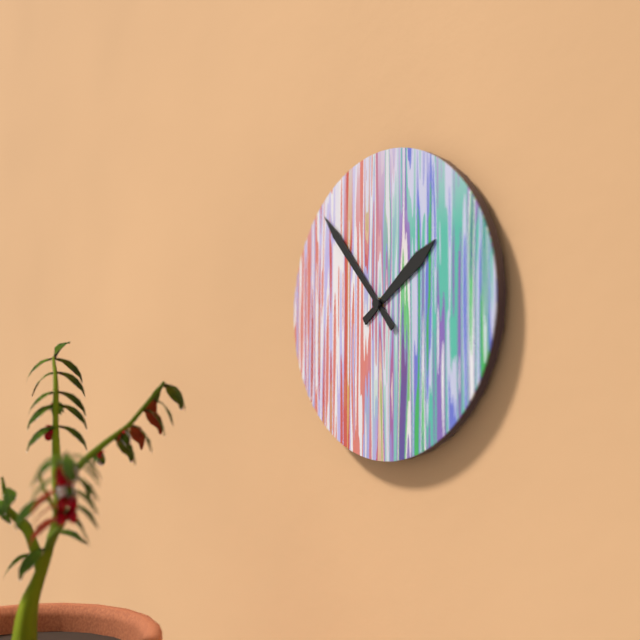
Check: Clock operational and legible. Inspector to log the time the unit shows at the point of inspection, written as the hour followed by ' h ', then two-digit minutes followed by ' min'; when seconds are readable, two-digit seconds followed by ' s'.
1 h 53 min
